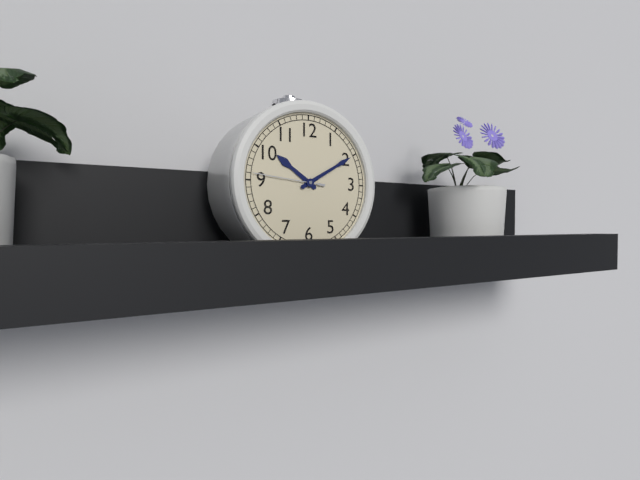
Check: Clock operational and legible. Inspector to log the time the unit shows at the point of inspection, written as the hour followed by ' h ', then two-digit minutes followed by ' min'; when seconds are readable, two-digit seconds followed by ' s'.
10 h 10 min 46 s
